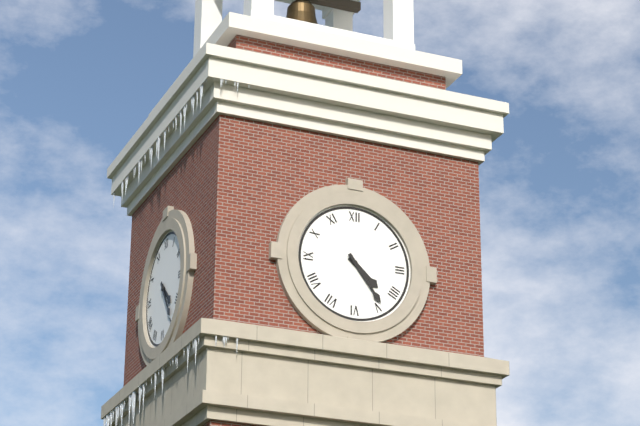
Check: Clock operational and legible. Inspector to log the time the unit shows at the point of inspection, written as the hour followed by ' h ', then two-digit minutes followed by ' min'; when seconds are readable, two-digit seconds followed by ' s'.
4 h 24 min
